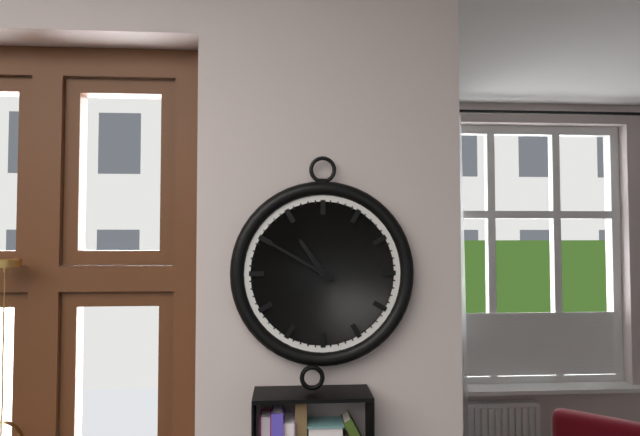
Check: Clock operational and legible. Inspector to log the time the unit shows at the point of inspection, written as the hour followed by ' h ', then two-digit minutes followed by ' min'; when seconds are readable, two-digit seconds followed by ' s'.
10 h 50 min
